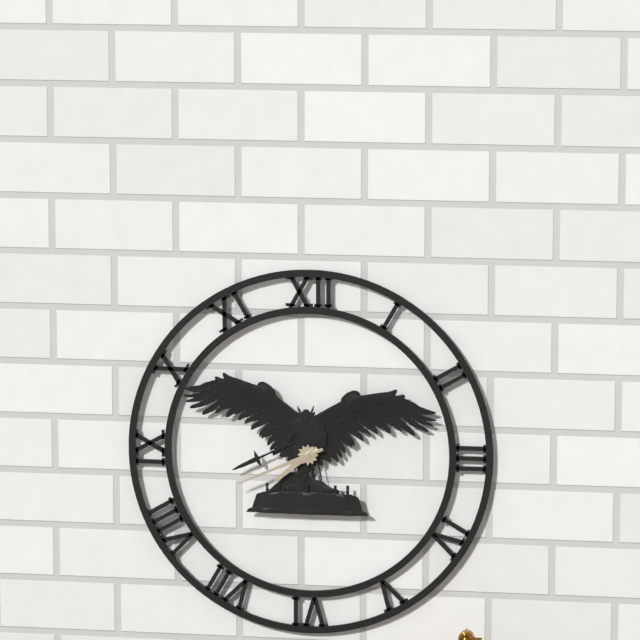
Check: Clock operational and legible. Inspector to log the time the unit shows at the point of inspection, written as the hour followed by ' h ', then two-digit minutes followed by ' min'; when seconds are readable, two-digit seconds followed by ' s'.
7 h 41 min
